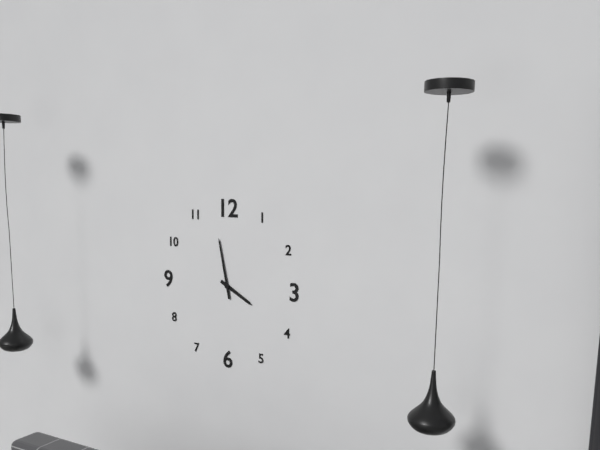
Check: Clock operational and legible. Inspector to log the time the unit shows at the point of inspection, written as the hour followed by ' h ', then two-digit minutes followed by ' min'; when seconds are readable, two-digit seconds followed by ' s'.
3 h 58 min
